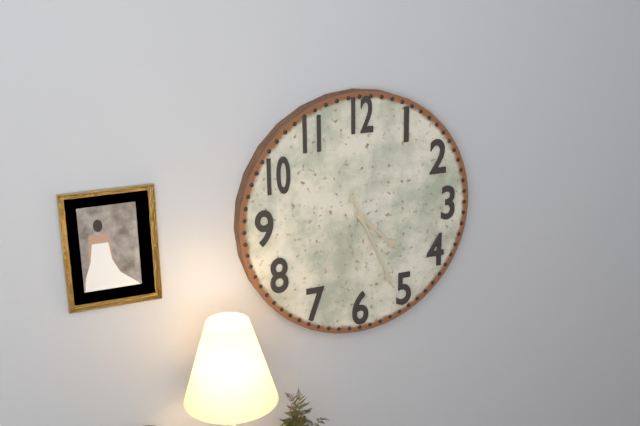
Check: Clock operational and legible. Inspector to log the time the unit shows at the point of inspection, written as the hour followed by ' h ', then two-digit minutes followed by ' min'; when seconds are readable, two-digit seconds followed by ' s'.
4 h 26 min
